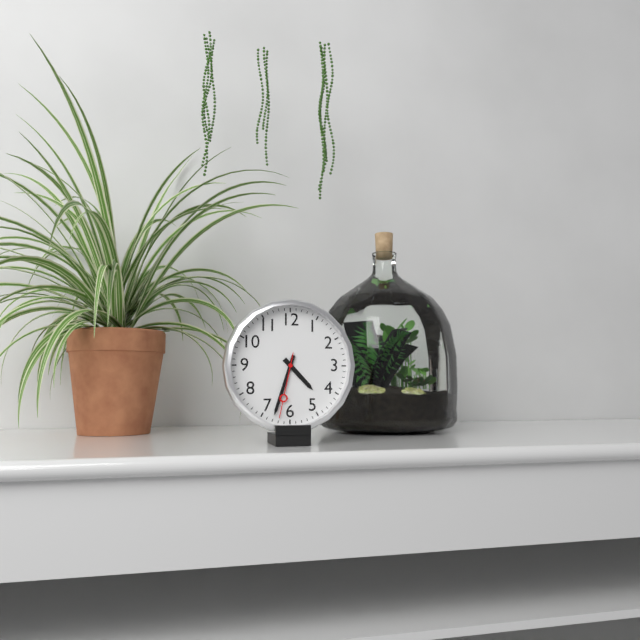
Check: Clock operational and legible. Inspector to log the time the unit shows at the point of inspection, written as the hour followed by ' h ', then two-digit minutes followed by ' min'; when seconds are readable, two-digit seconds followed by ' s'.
4 h 33 min 32 s
